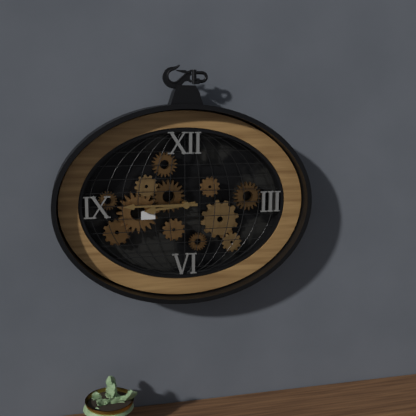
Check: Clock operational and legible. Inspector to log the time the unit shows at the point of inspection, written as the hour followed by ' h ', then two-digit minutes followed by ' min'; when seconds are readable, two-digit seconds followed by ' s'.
8 h 45 min
